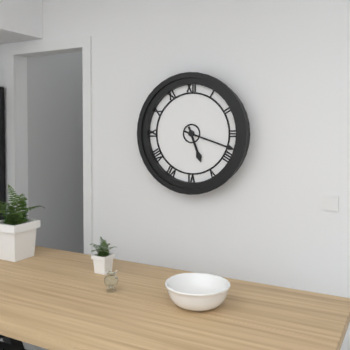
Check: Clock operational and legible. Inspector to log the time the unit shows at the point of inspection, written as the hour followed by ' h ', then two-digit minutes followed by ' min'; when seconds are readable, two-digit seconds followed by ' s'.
5 h 18 min
